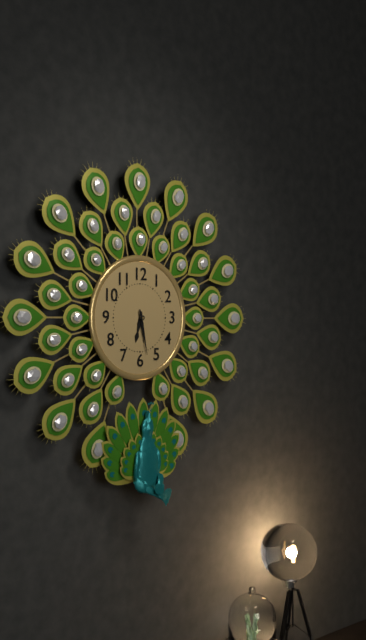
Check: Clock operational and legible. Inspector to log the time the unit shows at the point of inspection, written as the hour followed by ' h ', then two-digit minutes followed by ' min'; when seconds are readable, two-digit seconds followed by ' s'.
6 h 28 min
